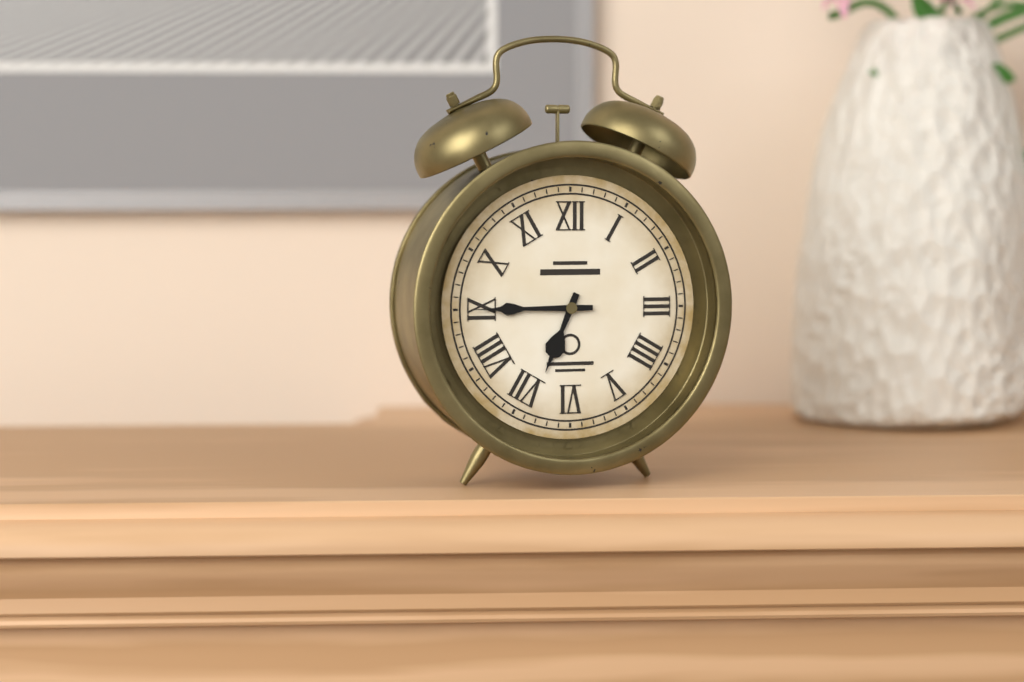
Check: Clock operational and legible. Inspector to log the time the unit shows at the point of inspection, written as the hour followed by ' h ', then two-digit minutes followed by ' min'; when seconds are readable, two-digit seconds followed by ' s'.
6 h 45 min
